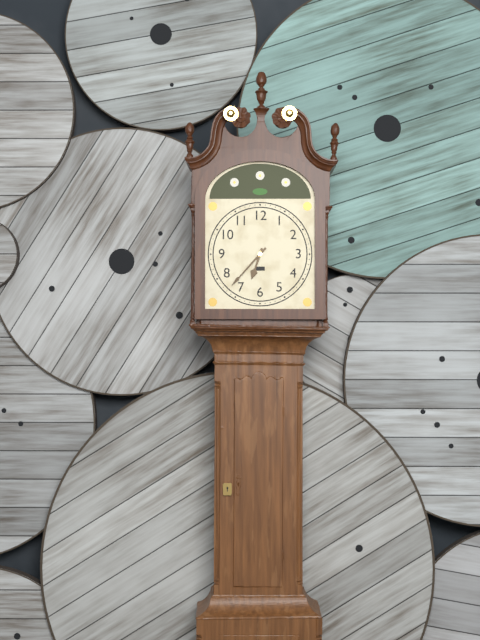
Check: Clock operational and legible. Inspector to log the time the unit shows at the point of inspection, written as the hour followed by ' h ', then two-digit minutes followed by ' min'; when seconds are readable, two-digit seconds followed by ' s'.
6 h 37 min
